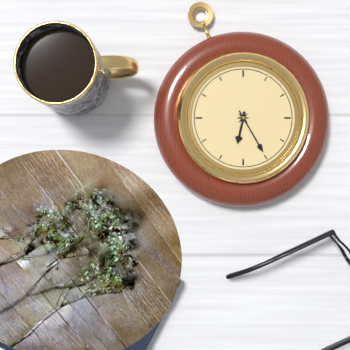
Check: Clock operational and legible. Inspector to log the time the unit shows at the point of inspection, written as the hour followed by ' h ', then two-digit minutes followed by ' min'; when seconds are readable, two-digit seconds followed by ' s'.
6 h 25 min
